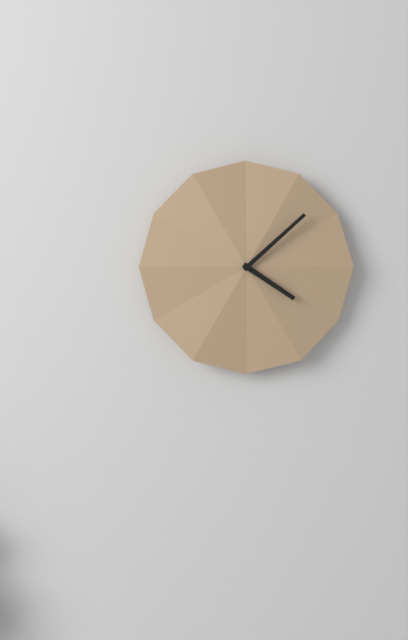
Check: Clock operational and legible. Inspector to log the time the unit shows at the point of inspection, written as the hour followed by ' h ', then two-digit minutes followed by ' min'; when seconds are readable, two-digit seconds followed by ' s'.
4 h 08 min
